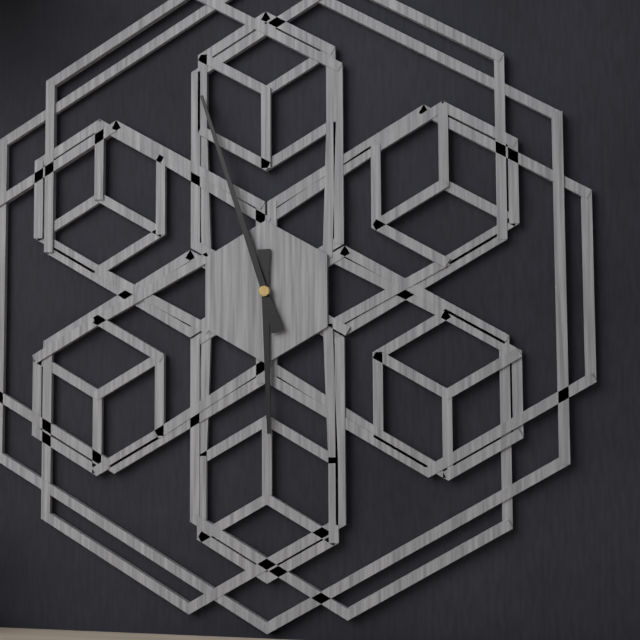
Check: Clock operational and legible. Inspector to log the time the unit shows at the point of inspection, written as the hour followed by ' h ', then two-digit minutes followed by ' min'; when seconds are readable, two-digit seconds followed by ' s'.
5 h 57 min
